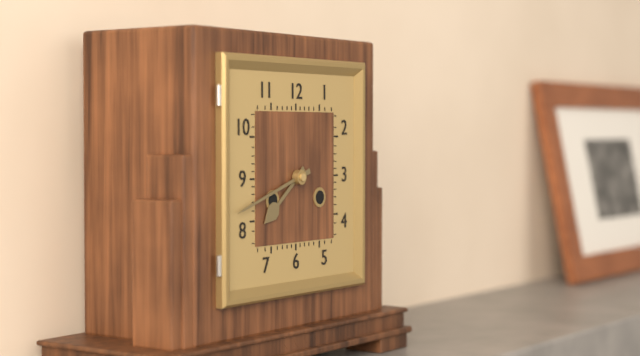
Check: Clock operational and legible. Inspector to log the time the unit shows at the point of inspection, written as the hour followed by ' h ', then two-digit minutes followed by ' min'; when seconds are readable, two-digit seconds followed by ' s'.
7 h 42 min
